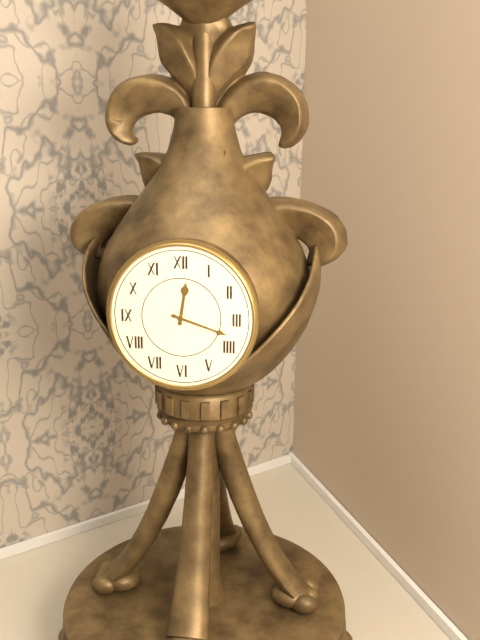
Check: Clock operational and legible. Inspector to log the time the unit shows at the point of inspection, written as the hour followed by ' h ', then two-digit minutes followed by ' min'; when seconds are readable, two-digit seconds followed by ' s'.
12 h 18 min
